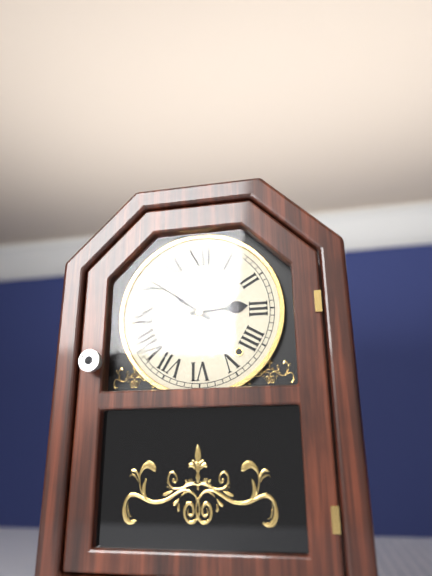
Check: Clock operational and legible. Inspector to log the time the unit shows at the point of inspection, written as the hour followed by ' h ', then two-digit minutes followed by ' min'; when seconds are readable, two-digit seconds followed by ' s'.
2 h 51 min
